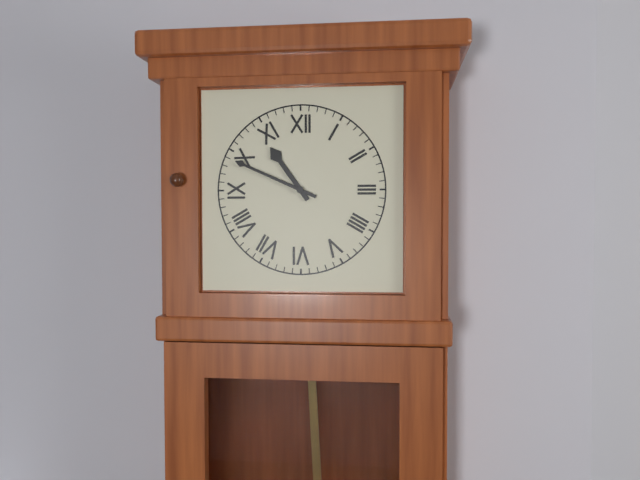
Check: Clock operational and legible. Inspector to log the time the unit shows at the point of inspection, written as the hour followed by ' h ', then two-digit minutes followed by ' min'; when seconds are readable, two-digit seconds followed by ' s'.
10 h 49 min
